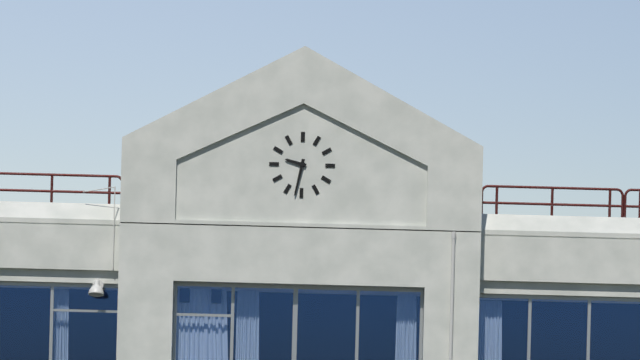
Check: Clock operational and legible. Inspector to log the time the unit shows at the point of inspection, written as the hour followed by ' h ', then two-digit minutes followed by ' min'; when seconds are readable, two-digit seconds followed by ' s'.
9 h 32 min
